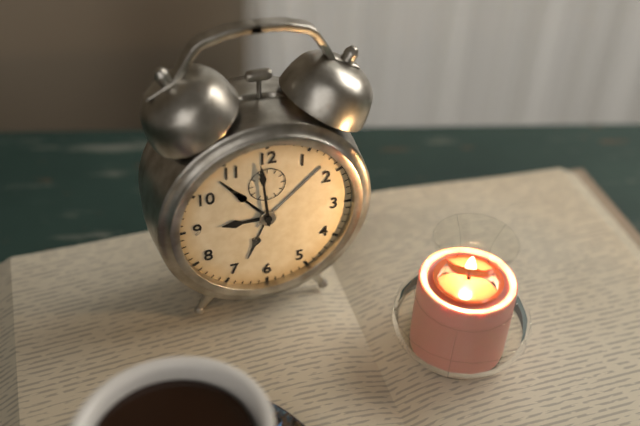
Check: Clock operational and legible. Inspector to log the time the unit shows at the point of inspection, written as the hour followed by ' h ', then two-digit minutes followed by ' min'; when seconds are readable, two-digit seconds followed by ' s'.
8 h 59 min
